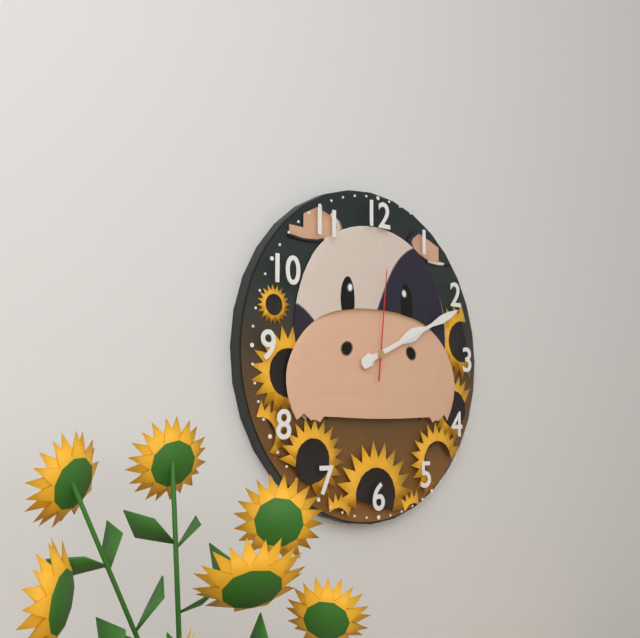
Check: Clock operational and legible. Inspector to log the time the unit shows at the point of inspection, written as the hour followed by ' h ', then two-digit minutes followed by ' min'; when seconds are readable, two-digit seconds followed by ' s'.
2 h 11 min 01 s
